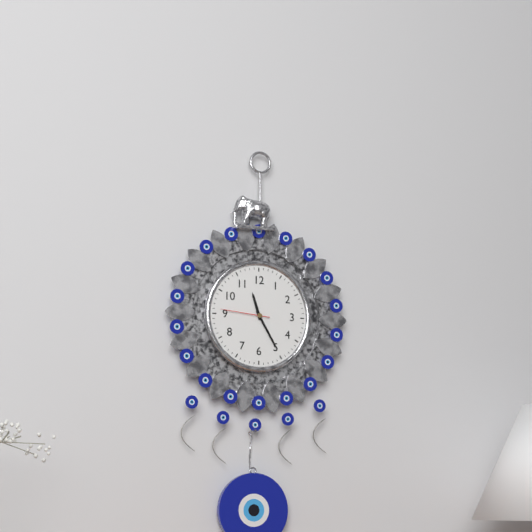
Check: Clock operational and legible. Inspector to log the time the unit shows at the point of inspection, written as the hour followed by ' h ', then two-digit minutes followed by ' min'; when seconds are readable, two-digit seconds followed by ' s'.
11 h 25 min 46 s
